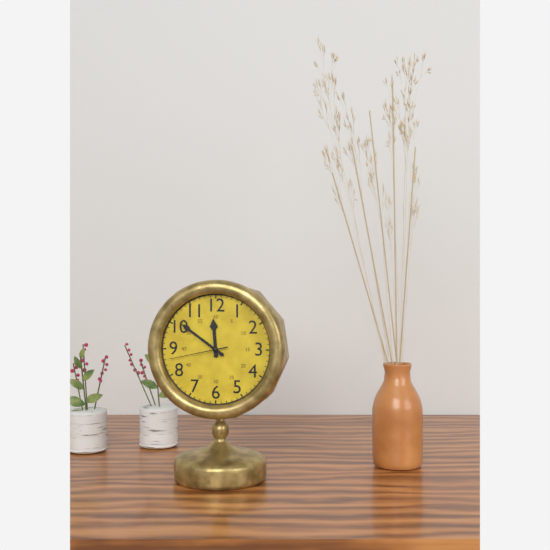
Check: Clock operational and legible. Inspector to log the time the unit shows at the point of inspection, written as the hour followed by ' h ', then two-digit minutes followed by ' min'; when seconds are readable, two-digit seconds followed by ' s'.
11 h 51 min 43 s
